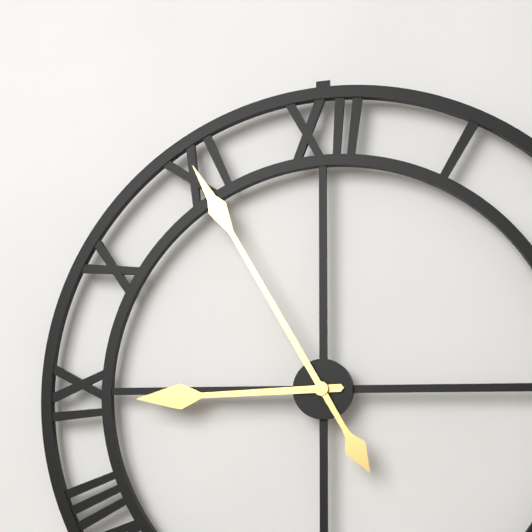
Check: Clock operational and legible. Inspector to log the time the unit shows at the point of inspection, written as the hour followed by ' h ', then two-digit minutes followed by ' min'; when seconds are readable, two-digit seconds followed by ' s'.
8 h 55 min
